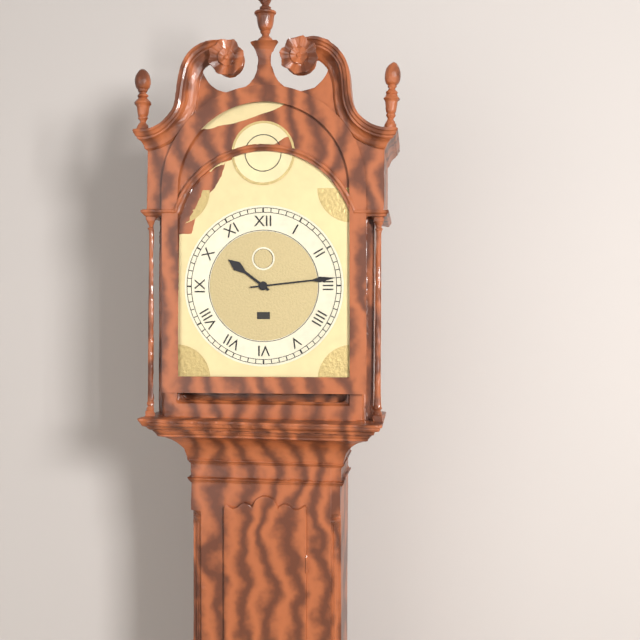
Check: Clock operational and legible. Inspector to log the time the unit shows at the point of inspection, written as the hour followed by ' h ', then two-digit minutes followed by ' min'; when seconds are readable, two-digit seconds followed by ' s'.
10 h 14 min
